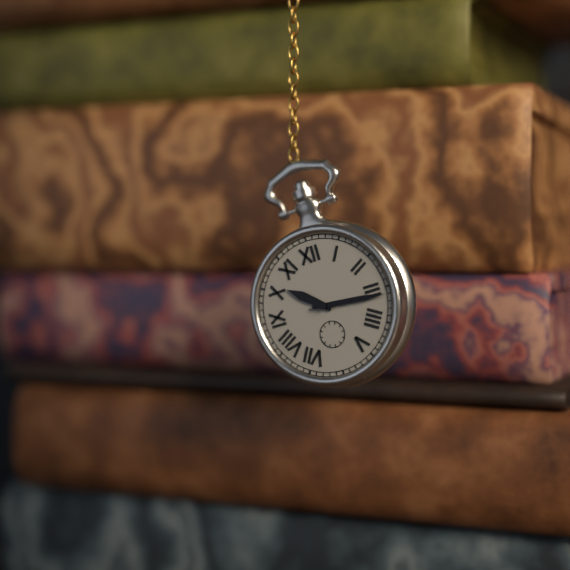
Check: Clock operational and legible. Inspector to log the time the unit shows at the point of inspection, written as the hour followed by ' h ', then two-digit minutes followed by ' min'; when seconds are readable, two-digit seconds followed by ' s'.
10 h 16 min
